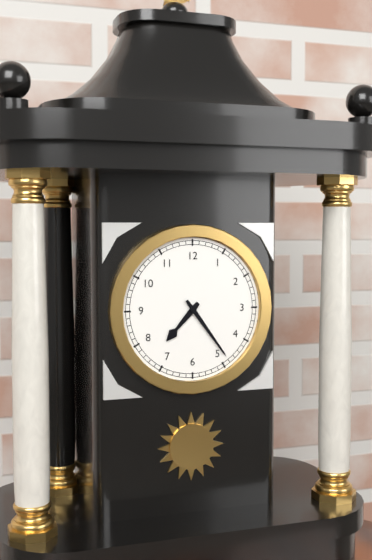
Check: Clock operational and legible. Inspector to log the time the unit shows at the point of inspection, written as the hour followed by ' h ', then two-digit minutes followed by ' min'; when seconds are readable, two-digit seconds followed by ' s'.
7 h 24 min
